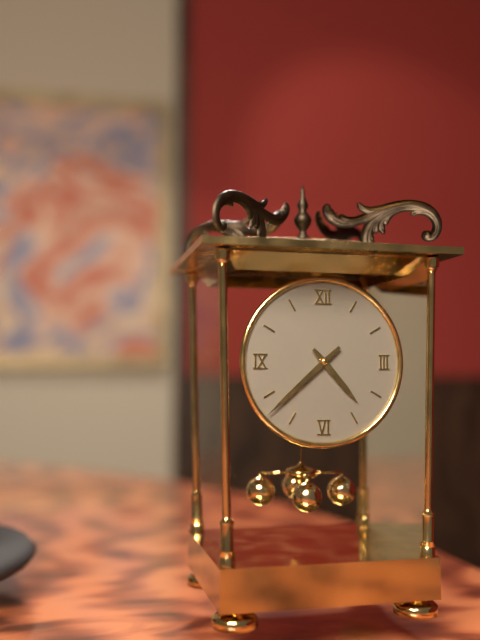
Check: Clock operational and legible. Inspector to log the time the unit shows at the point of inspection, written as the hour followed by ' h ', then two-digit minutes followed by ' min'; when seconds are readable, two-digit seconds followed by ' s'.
4 h 38 min
